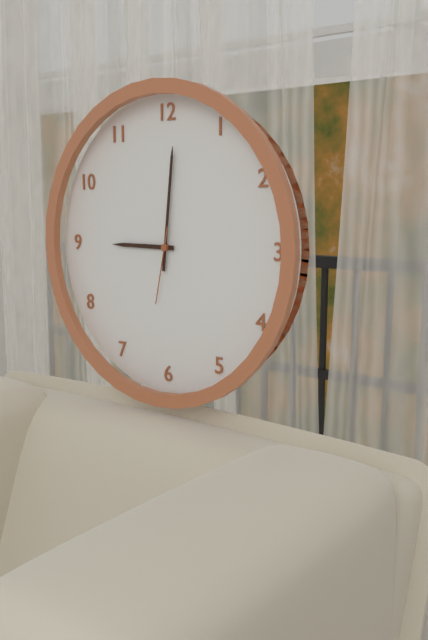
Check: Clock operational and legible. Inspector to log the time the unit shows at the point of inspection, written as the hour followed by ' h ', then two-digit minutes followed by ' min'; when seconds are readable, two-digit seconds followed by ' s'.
9 h 01 min 32 s
